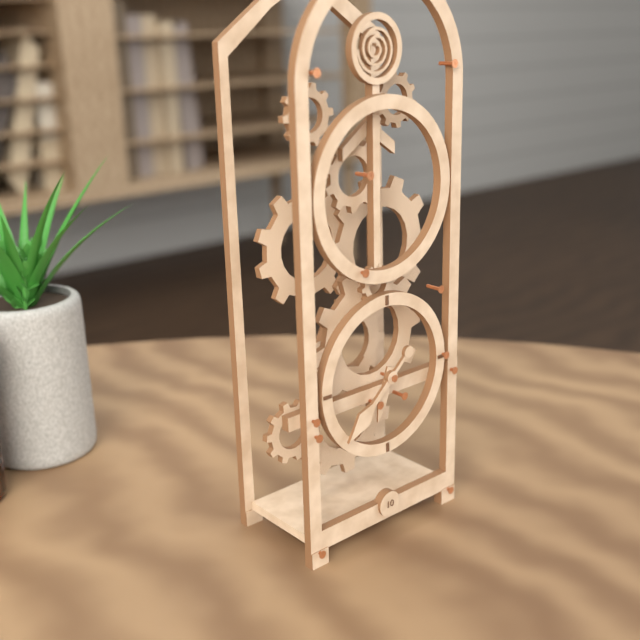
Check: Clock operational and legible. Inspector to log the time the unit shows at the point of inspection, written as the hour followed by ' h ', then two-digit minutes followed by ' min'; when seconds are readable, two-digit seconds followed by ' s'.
6 h 38 min
